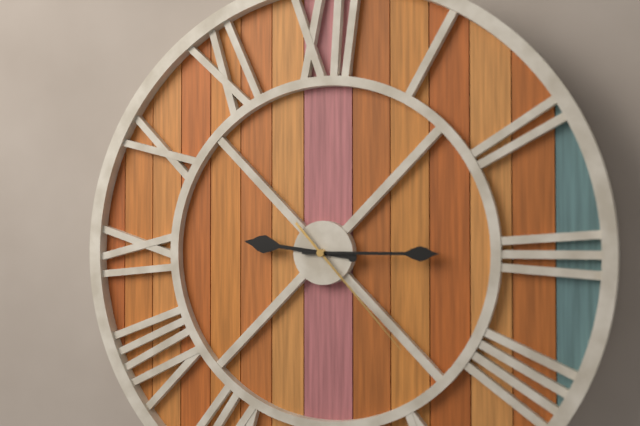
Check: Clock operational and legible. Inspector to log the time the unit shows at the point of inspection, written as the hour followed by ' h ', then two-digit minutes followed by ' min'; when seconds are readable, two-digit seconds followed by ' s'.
9 h 15 min 23 s
